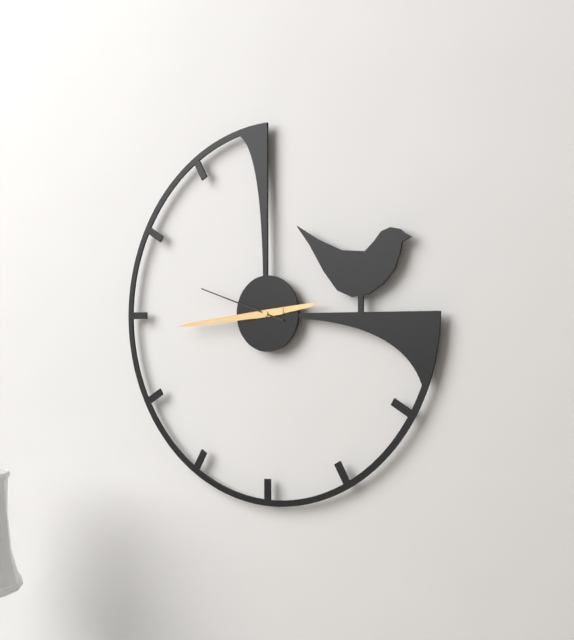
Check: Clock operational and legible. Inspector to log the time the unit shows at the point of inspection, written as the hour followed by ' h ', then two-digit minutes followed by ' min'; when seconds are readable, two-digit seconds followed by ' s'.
2 h 44 min 48 s
